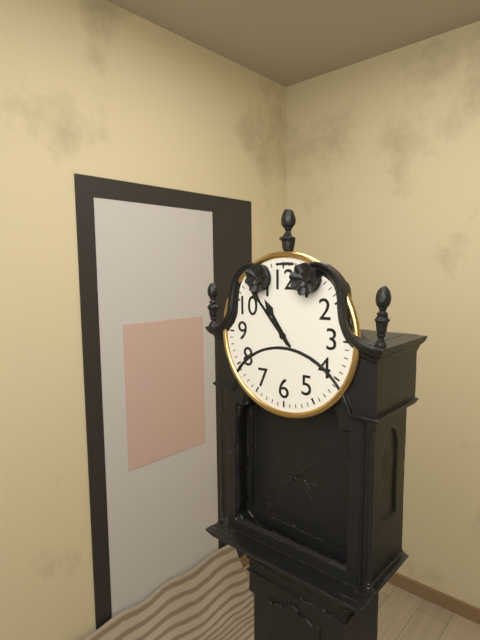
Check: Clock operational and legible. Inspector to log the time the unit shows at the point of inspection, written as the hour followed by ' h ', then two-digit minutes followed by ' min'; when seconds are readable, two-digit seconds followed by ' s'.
10 h 53 min
